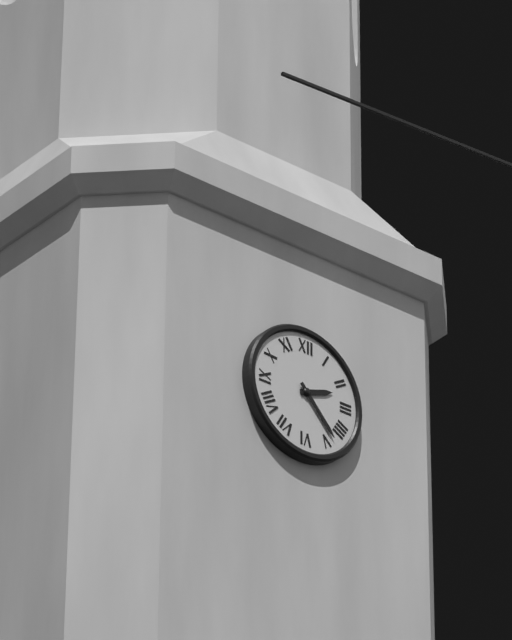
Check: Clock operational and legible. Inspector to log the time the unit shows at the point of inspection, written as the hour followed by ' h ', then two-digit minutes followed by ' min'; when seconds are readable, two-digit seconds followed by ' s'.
2 h 23 min
